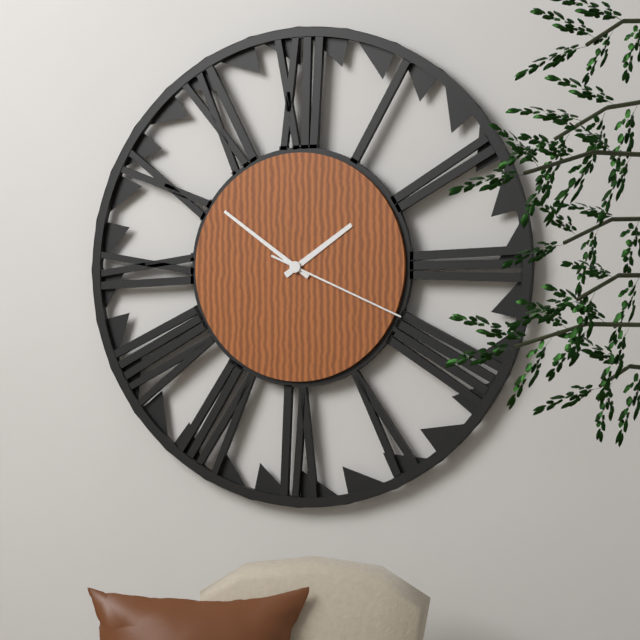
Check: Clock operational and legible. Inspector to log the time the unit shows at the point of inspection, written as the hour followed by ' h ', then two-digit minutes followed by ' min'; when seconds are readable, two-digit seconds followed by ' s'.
1 h 51 min 19 s
